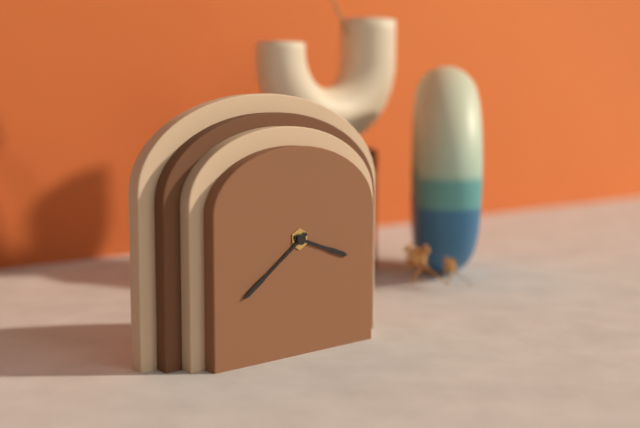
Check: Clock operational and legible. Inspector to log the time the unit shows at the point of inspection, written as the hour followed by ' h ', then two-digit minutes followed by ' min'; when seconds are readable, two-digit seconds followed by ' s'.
3 h 39 min
